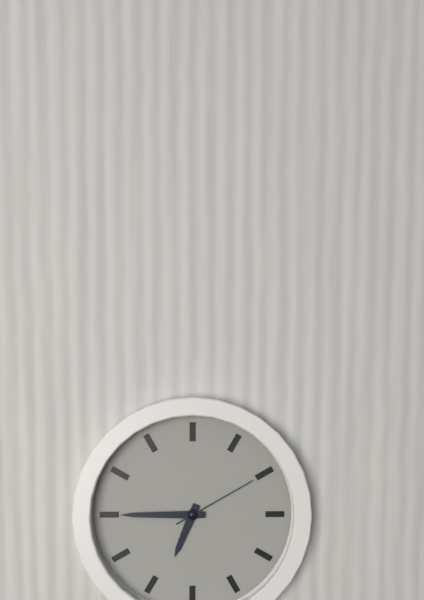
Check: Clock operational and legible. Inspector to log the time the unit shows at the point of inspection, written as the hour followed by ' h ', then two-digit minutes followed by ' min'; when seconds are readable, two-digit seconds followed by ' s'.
6 h 45 min 10 s
